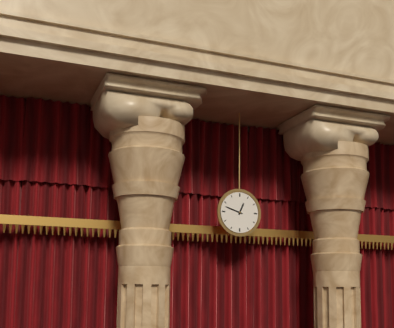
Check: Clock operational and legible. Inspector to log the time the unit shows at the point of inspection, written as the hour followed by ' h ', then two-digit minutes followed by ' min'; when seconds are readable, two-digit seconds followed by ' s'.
12 h 48 min
